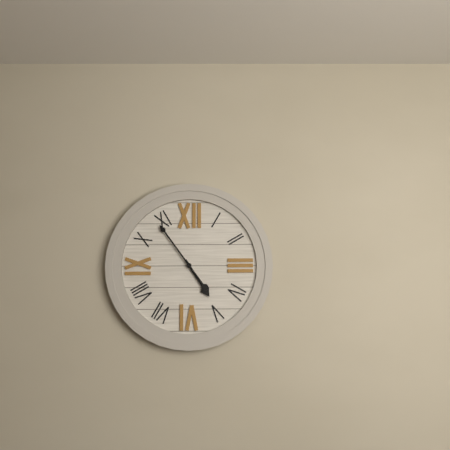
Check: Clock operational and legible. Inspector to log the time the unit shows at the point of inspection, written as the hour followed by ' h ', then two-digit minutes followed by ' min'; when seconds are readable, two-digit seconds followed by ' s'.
4 h 54 min
